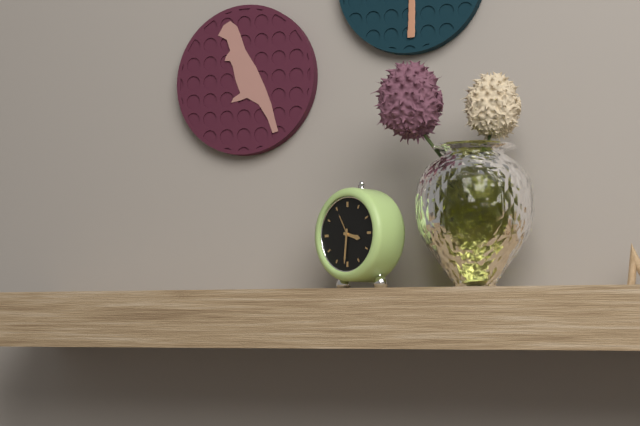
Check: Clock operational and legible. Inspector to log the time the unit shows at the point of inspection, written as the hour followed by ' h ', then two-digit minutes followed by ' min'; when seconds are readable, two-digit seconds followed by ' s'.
3 h 31 min
